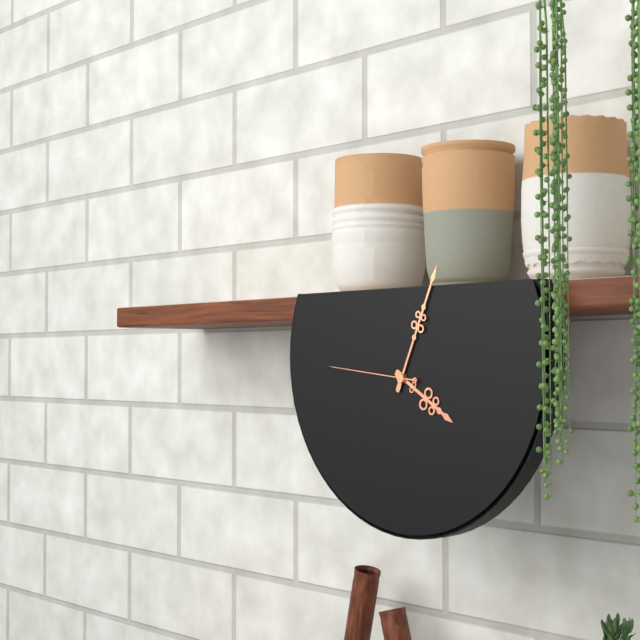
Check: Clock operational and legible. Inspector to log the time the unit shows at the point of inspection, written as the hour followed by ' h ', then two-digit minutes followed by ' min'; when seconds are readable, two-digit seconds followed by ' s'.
4 h 04 min 46 s
